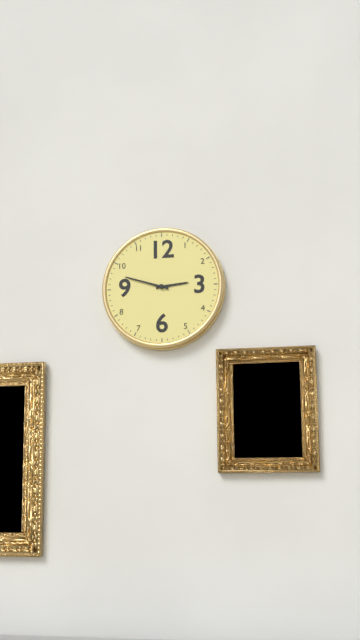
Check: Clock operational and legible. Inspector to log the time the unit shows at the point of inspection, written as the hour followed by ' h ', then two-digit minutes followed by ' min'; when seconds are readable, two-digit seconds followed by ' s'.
2 h 48 min
